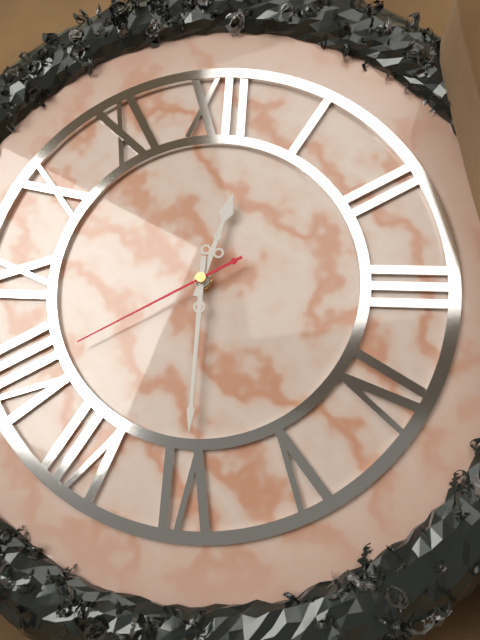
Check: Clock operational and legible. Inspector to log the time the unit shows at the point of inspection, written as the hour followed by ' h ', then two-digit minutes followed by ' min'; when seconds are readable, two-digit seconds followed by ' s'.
12 h 30 min 40 s
